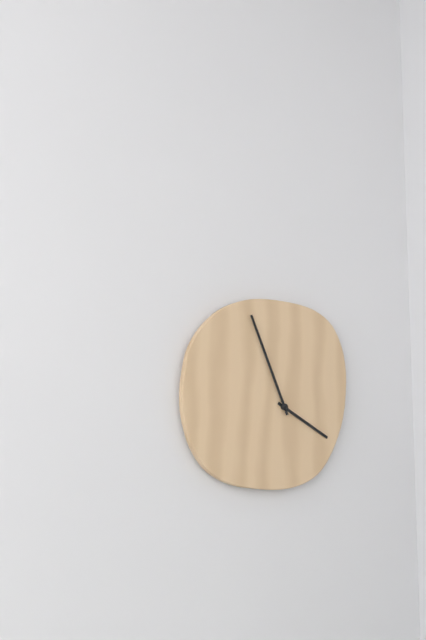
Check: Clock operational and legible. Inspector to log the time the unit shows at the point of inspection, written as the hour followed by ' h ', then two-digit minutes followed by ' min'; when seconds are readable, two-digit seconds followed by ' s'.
3 h 56 min
